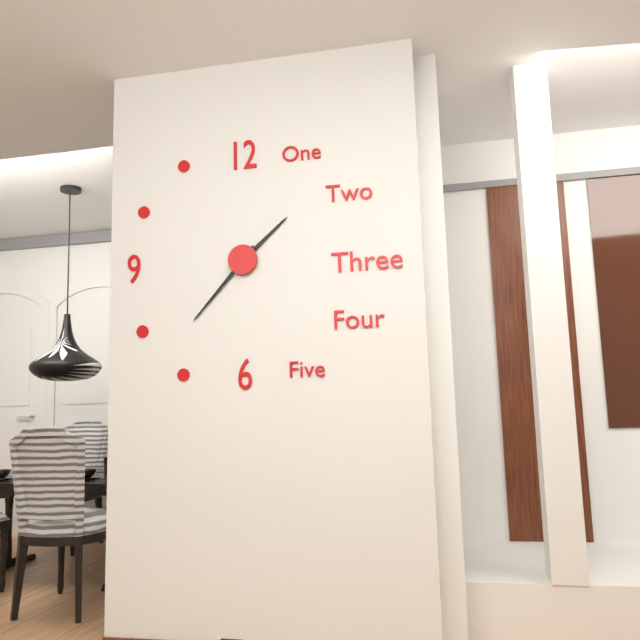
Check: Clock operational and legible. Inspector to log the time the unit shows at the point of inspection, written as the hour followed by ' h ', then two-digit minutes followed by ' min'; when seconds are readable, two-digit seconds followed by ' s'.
1 h 37 min
